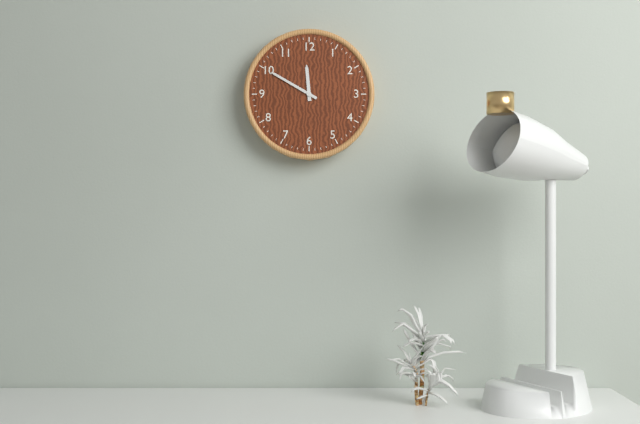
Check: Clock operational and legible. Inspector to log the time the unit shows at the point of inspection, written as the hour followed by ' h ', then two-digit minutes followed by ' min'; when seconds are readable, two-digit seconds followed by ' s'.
11 h 50 min
